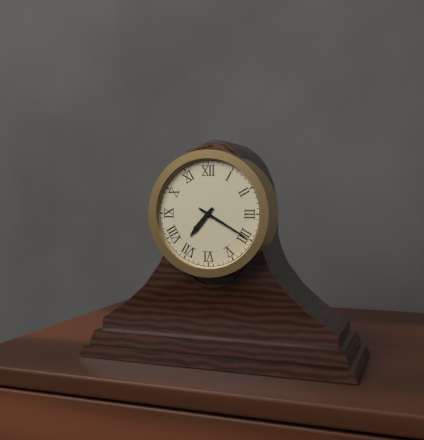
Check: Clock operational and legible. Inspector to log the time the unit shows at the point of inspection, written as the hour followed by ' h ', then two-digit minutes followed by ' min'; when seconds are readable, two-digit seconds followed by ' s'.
7 h 20 min
